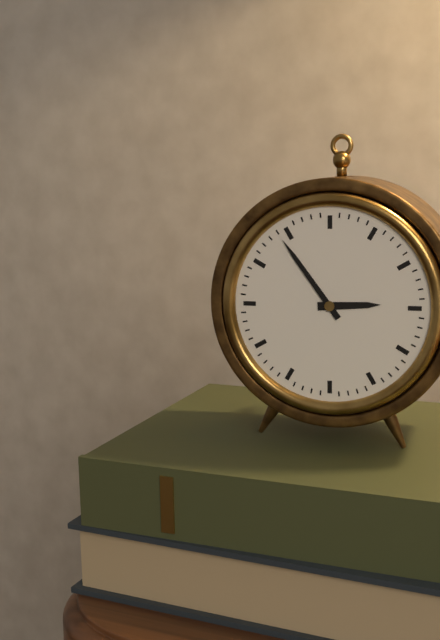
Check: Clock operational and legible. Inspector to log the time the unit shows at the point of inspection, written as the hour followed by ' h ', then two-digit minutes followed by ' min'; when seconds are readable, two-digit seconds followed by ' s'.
2 h 54 min
